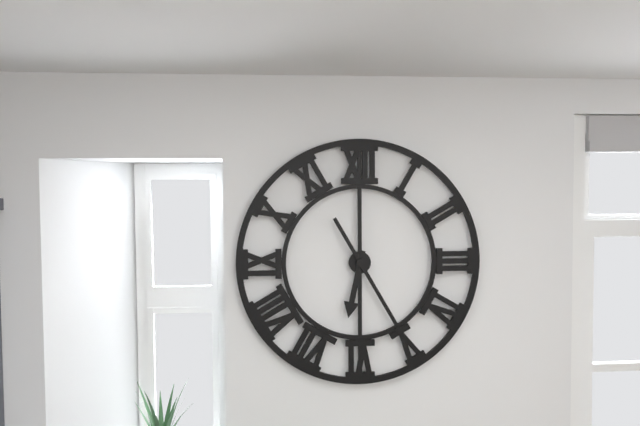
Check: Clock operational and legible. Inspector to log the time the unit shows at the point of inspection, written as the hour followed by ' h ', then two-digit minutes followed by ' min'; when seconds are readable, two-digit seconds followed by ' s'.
6 h 25 min
